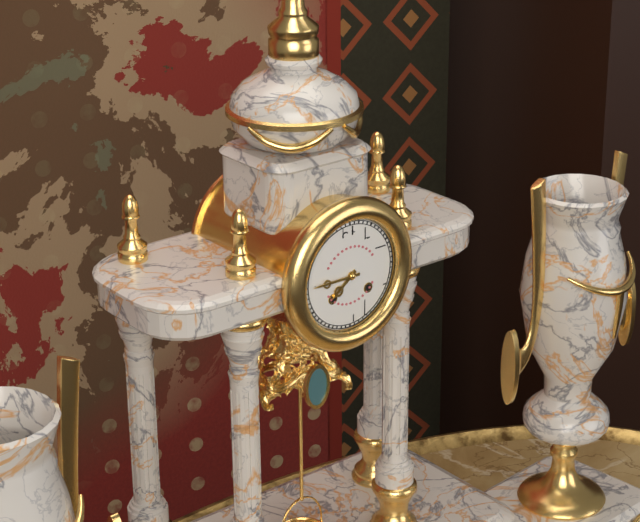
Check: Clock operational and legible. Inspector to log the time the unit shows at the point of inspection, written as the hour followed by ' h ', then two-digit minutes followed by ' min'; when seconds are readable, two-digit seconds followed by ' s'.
7 h 45 min
